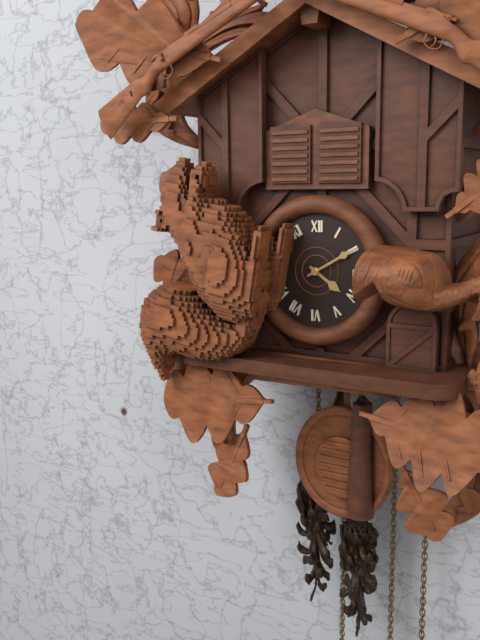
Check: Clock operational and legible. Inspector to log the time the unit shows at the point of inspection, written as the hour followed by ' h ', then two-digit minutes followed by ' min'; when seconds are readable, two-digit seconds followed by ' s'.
4 h 10 min
